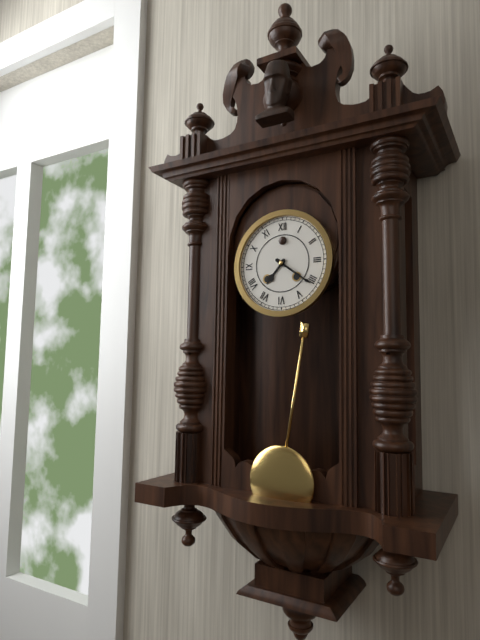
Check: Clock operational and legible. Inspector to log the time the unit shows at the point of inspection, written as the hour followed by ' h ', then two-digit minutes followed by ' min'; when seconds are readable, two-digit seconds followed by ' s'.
7 h 21 min
